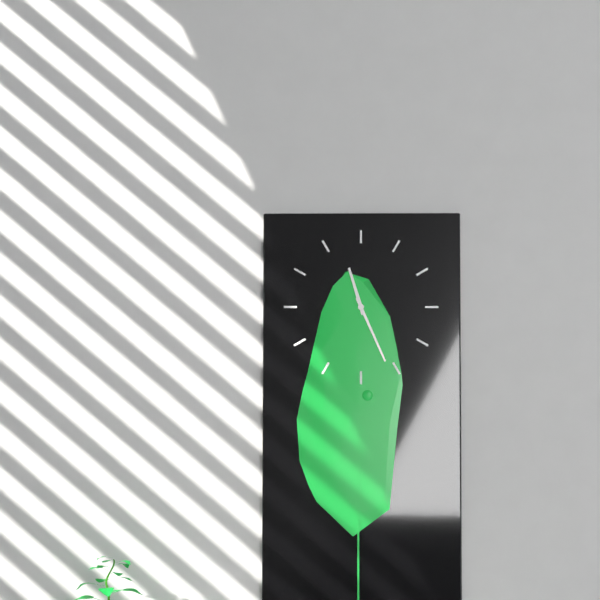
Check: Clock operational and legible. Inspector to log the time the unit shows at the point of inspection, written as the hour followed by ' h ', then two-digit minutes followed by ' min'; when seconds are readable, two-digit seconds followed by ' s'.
11 h 26 min
